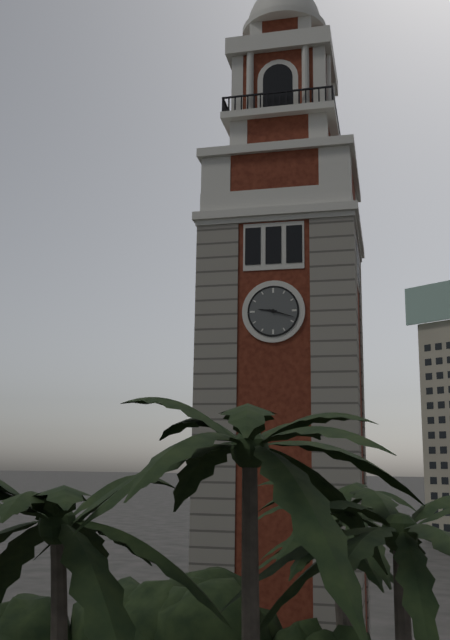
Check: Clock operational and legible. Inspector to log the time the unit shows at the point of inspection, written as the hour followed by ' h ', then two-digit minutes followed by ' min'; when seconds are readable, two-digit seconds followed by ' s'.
9 h 18 min
